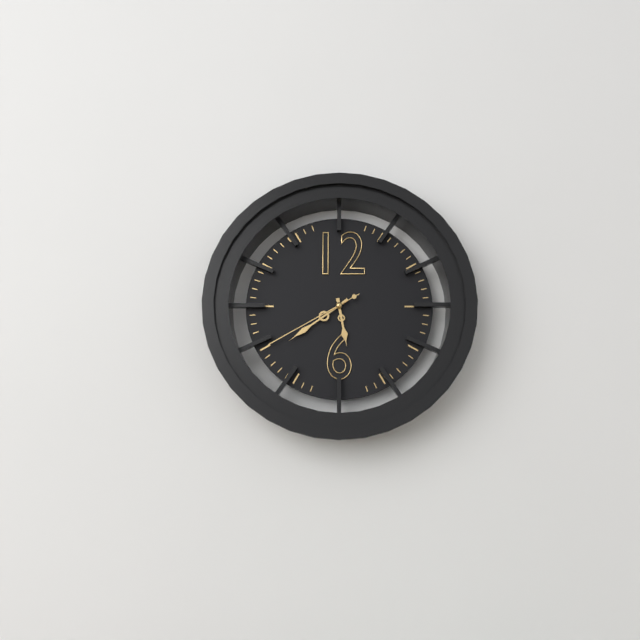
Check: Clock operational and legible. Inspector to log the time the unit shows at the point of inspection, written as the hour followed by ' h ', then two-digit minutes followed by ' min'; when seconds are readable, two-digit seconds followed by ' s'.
5 h 39 min 40 s
